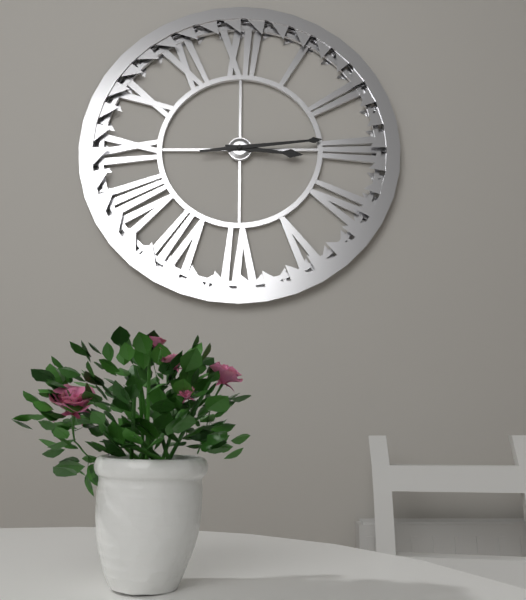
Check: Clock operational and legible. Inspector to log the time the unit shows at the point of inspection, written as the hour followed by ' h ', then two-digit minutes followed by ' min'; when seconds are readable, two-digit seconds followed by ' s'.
3 h 14 min
